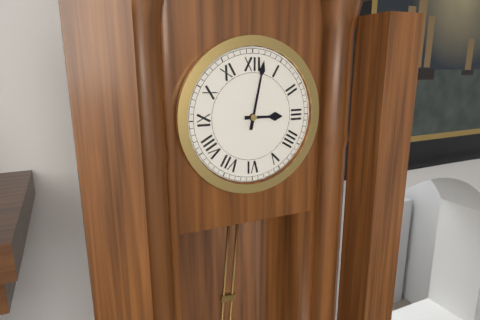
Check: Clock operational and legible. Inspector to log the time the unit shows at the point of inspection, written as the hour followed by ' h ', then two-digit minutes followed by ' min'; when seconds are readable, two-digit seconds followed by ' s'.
3 h 02 min
